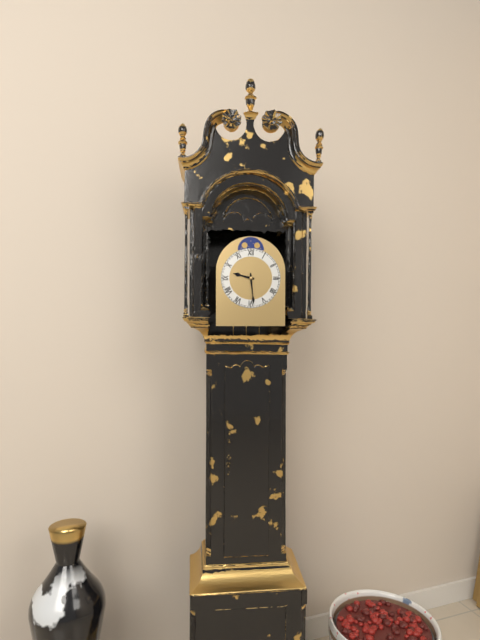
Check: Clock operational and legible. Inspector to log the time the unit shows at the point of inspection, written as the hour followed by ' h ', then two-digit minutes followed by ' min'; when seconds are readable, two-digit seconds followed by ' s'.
9 h 29 min
